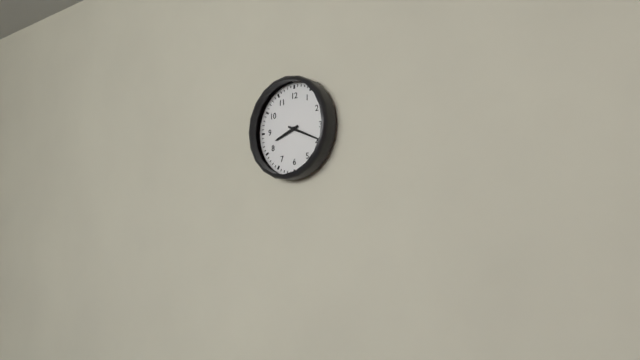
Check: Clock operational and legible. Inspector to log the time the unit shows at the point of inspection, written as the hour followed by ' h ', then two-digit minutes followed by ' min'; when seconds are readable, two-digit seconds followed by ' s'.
8 h 19 min
